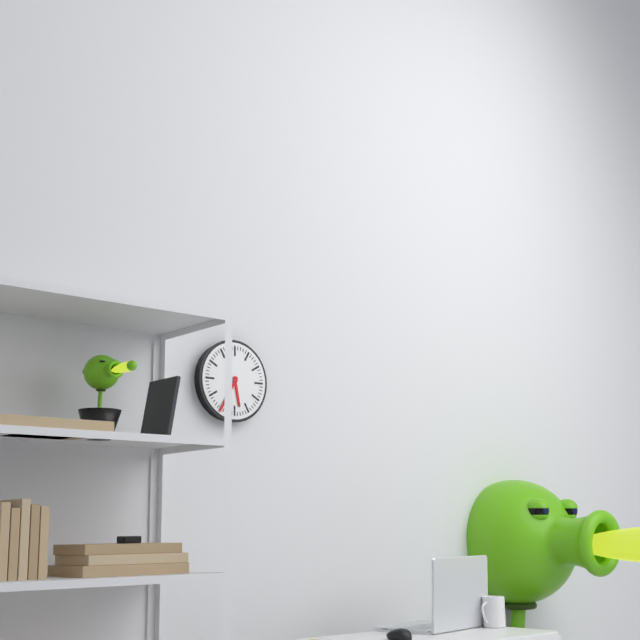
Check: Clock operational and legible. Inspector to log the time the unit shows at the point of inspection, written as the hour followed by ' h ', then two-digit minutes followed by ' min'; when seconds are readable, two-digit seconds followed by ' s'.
5 h 35 min
